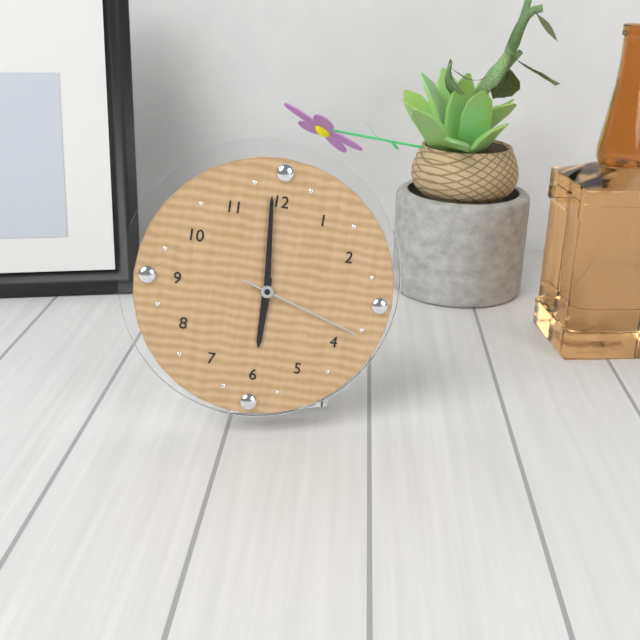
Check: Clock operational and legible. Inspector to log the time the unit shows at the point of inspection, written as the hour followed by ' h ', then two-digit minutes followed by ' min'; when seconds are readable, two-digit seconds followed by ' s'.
5 h 59 min 18 s
